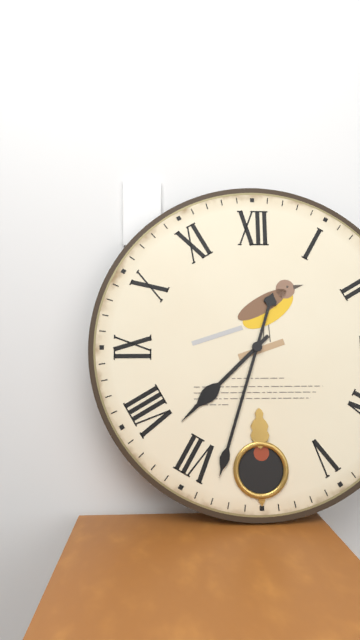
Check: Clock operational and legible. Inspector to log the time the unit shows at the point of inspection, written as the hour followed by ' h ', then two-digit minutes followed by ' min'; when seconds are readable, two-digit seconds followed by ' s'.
7 h 33 min
